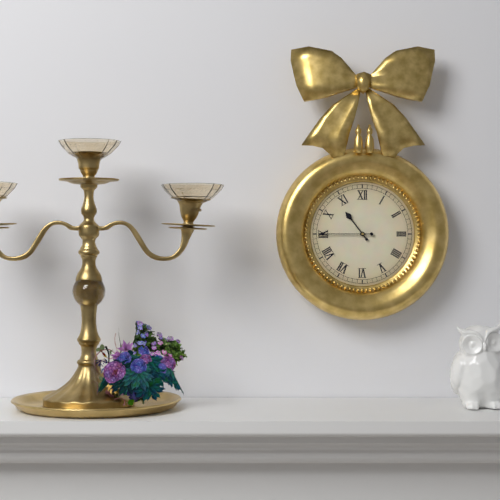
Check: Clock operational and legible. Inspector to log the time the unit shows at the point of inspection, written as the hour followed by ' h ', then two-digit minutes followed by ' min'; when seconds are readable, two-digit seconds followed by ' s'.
10 h 45 min
